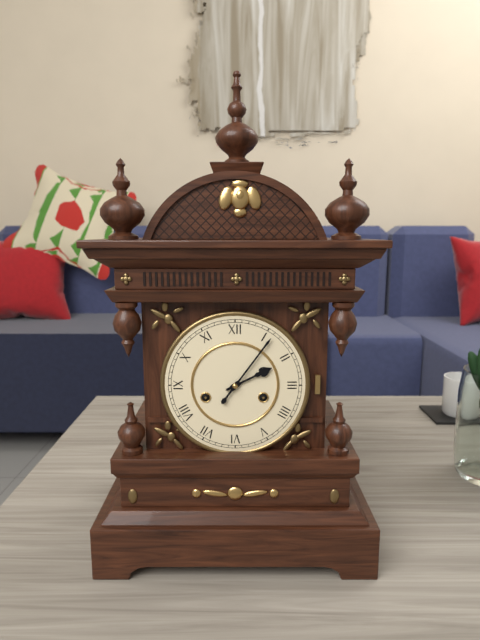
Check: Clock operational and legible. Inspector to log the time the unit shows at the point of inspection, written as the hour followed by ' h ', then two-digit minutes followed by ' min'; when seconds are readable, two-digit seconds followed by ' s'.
2 h 06 min
